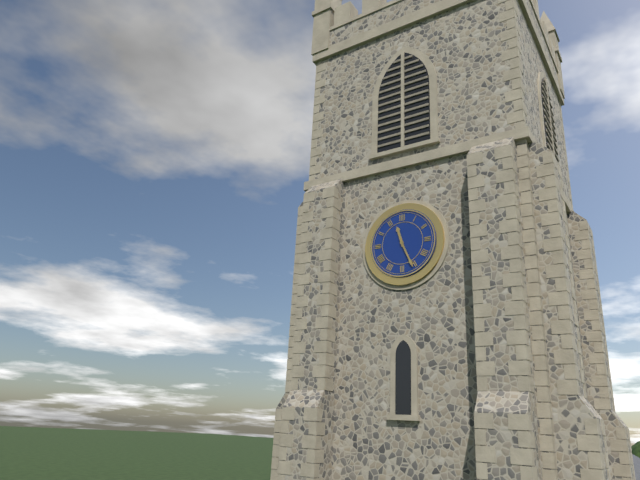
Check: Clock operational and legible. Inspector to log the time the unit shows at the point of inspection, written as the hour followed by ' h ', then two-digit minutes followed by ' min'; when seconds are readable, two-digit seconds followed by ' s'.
11 h 26 min
